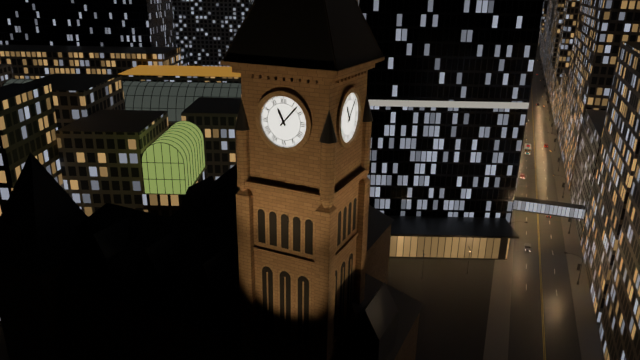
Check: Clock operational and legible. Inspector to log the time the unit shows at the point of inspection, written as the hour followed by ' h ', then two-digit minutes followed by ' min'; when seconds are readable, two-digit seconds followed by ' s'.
11 h 07 min
